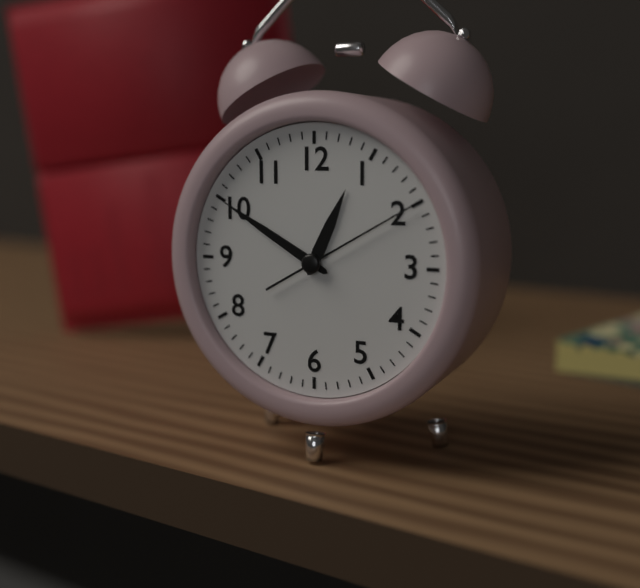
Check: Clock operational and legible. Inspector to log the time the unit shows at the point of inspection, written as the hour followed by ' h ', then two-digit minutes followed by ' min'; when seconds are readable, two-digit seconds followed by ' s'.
12 h 50 min 10 s
